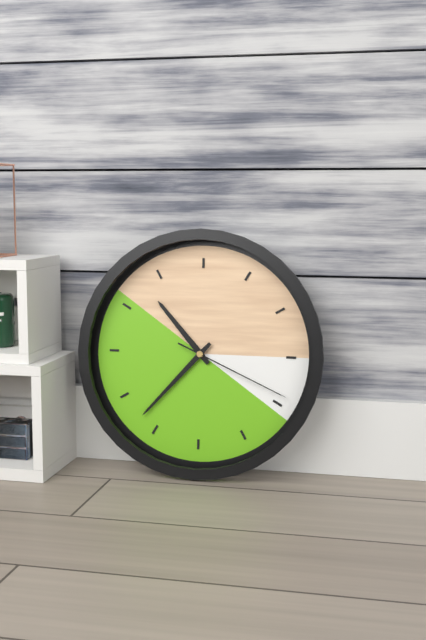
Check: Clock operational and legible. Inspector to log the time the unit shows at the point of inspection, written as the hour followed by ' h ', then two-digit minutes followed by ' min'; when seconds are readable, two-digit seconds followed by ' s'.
10 h 37 min 19 s
